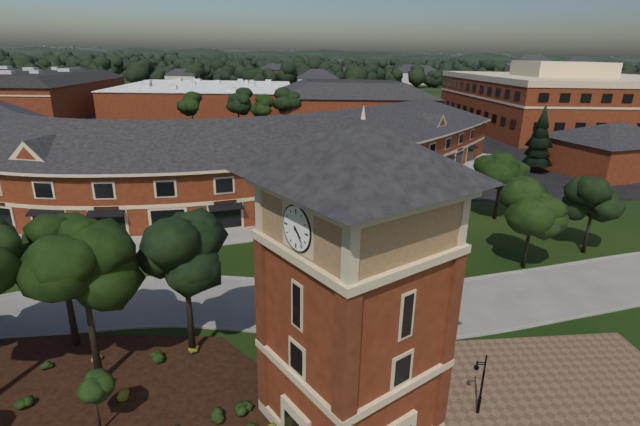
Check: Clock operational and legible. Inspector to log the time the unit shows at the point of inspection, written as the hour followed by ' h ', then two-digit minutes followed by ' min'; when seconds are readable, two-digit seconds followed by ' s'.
4 h 23 min
